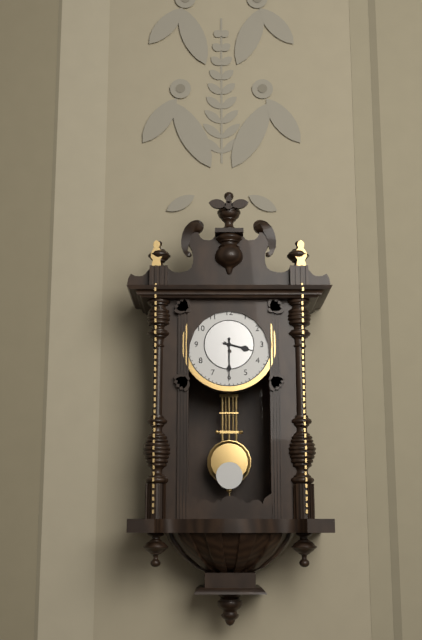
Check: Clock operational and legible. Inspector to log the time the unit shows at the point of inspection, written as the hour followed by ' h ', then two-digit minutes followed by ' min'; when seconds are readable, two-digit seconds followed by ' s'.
3 h 30 min
